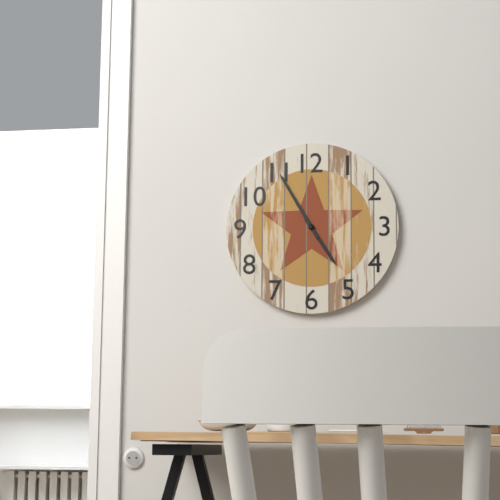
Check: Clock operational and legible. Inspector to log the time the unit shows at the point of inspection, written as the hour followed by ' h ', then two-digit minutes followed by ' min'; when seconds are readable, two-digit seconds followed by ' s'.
4 h 55 min
